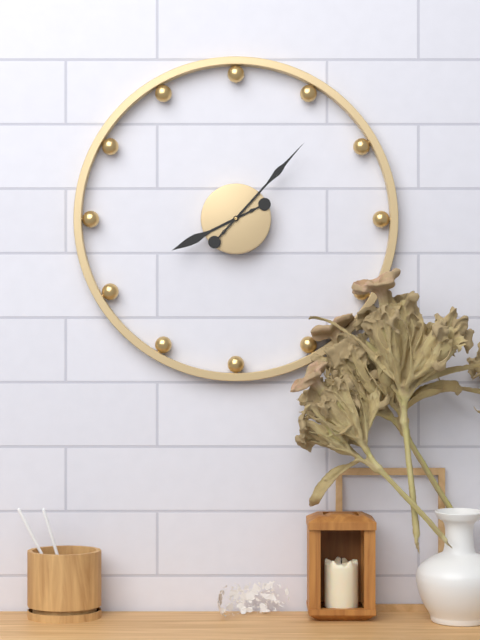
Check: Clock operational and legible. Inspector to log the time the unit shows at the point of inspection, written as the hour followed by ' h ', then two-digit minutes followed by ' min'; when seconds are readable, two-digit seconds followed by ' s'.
8 h 07 min
